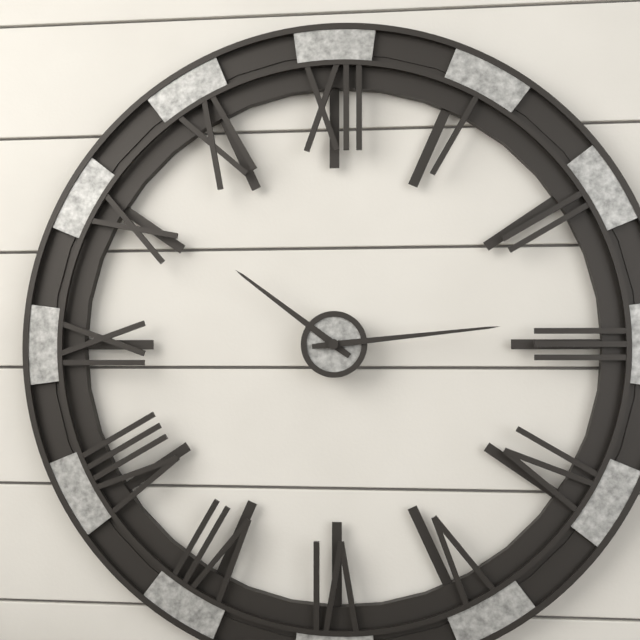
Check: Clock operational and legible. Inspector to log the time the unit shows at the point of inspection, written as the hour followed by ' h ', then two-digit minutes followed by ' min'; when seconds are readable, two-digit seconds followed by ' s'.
10 h 14 min
